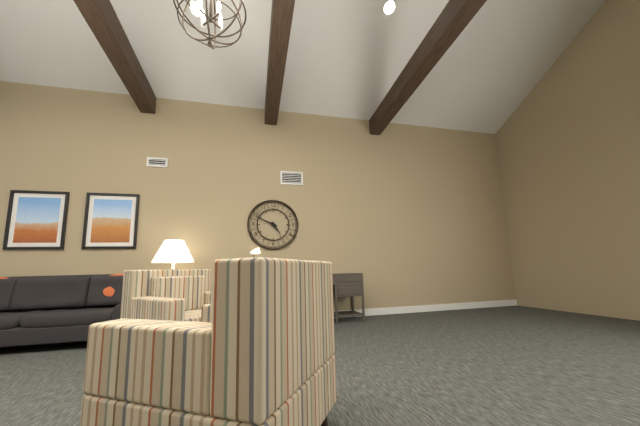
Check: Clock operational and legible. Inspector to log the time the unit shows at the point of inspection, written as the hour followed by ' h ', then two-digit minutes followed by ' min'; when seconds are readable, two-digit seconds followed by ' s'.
4 h 49 min
